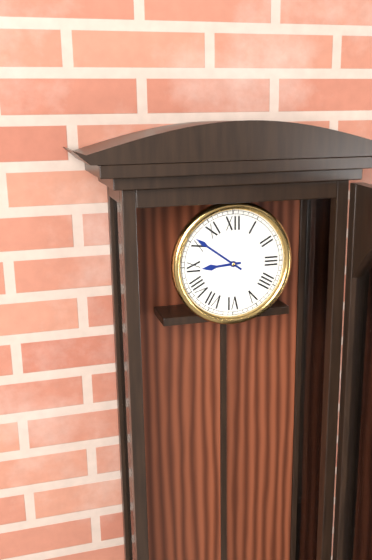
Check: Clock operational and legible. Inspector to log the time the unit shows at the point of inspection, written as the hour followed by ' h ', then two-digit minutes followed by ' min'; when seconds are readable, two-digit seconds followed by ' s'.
8 h 51 min
